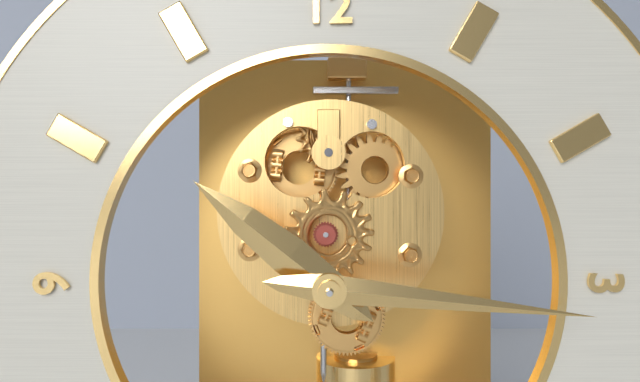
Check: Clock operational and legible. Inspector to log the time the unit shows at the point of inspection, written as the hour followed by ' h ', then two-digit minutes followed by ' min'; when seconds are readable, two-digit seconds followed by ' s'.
10 h 16 min
